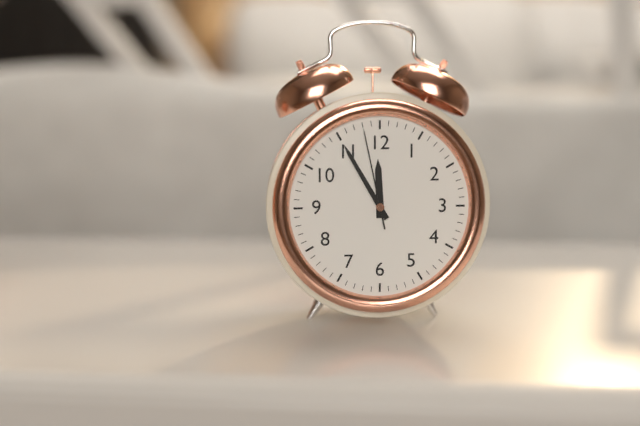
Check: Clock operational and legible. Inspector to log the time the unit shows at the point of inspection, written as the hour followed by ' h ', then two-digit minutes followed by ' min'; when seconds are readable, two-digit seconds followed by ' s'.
11 h 55 min 58 s
